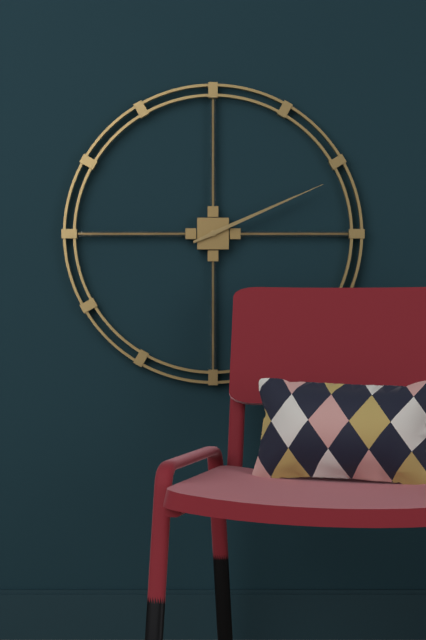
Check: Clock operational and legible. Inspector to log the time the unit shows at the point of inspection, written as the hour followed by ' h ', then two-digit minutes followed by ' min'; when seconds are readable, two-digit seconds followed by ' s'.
2 h 11 min
